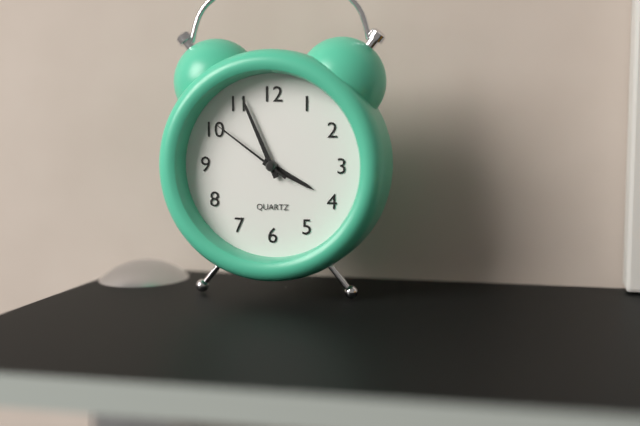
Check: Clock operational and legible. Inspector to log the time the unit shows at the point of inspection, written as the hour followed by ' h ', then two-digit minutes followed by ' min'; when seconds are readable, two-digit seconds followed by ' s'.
3 h 56 min 51 s
